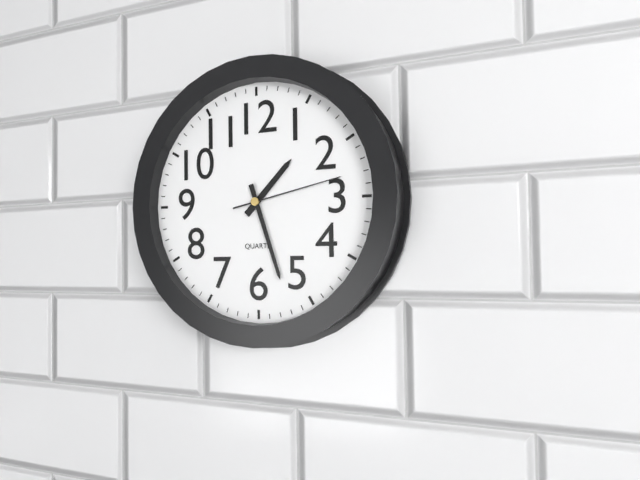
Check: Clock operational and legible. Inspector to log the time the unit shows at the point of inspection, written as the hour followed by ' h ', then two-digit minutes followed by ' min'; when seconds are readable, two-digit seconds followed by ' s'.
1 h 27 min 13 s
